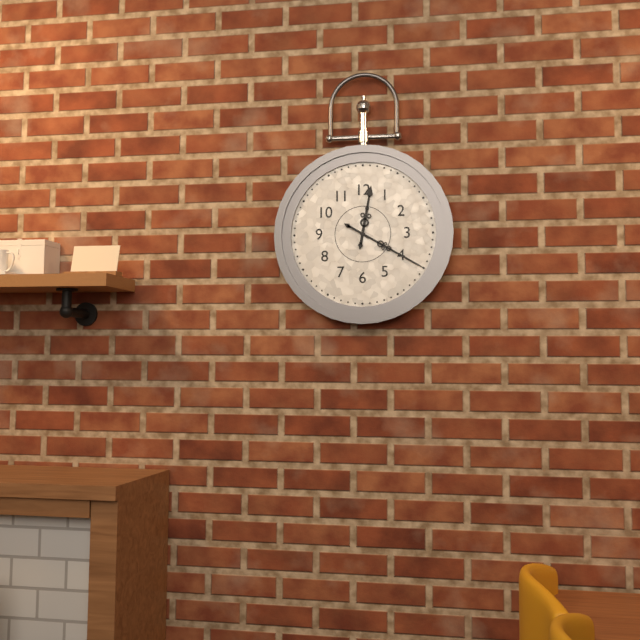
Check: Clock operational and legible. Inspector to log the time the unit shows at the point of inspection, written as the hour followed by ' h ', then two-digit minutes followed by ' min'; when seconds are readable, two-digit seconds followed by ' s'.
12 h 20 min
